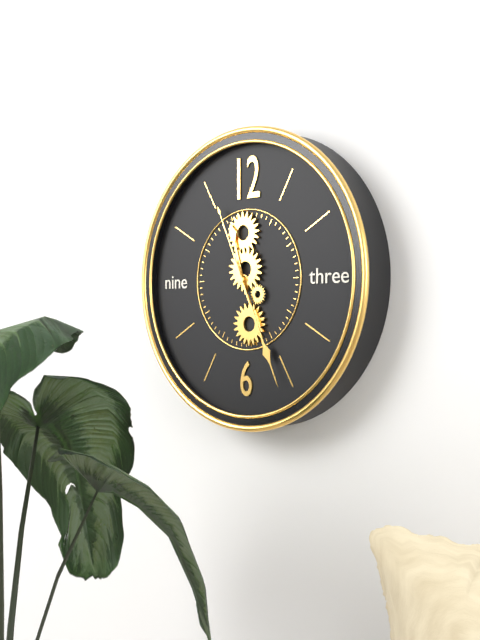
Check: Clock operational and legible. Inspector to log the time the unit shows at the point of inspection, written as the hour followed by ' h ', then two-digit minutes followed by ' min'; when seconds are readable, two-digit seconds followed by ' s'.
11 h 26 min 56 s
